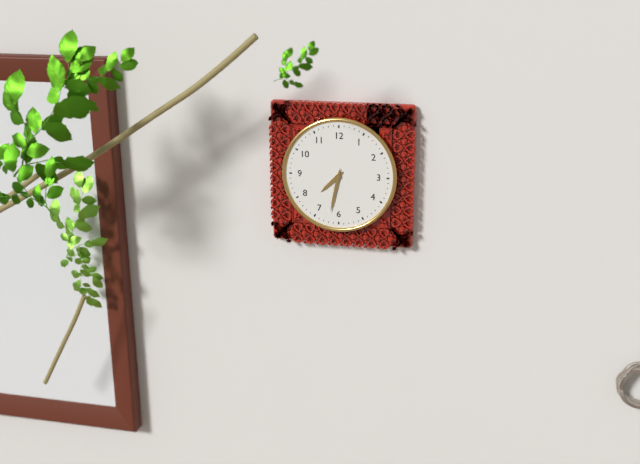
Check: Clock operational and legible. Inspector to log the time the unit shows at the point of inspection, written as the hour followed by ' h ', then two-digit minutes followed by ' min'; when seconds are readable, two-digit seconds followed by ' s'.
7 h 32 min
